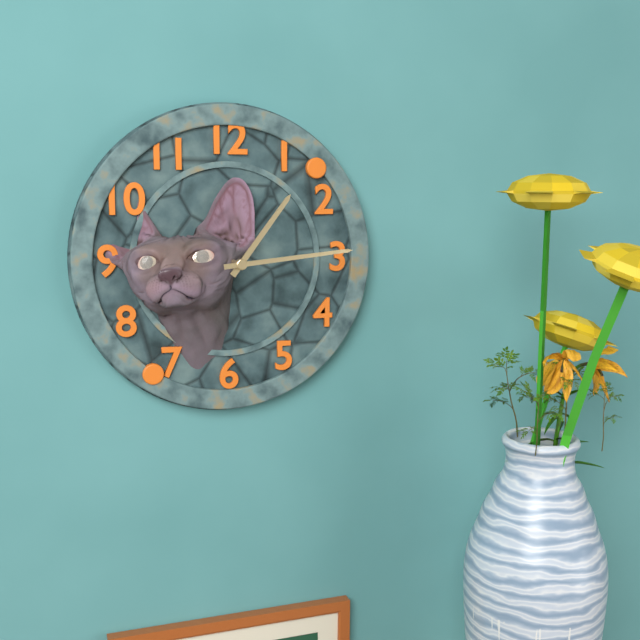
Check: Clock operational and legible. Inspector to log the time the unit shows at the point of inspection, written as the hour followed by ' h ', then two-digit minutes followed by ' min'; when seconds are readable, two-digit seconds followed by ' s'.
1 h 14 min
